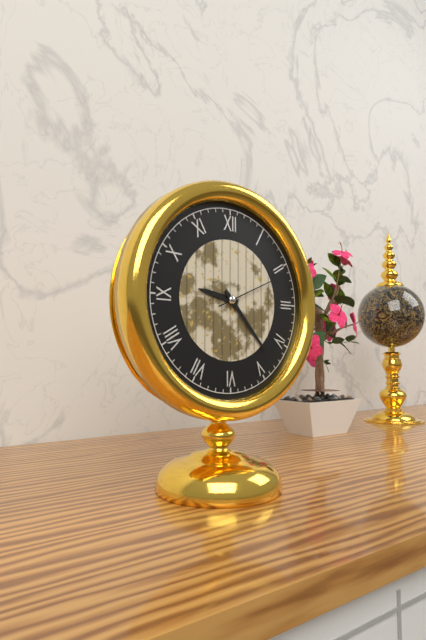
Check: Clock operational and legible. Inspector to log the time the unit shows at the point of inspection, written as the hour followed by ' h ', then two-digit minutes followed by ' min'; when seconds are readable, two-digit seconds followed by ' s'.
9 h 23 min 11 s
